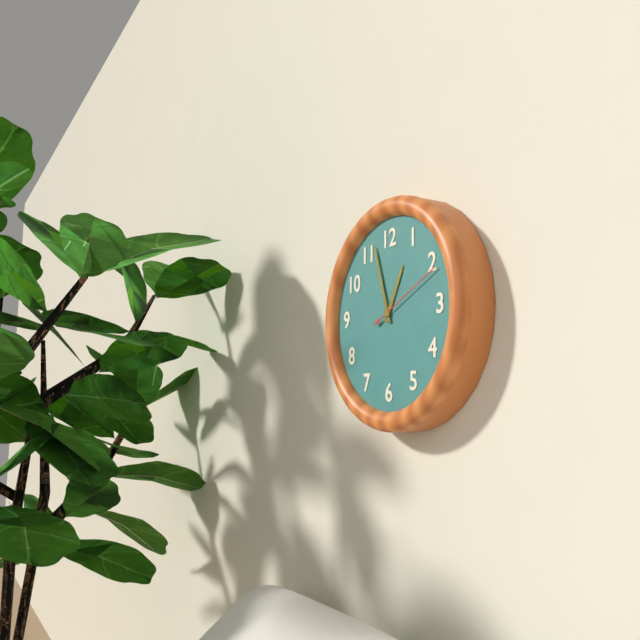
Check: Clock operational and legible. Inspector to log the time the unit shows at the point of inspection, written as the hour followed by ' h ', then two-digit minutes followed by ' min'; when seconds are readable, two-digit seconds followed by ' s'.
12 h 57 min 11 s
